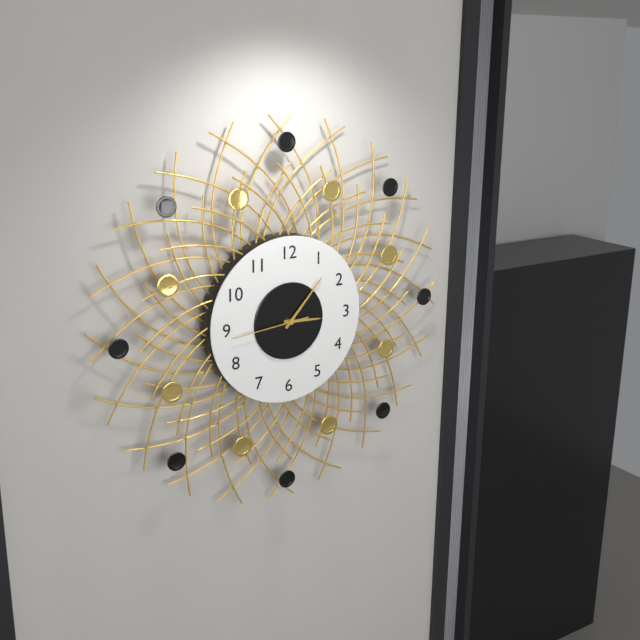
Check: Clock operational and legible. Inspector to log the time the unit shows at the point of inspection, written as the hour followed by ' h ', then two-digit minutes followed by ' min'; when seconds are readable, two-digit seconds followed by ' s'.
3 h 07 min 44 s
